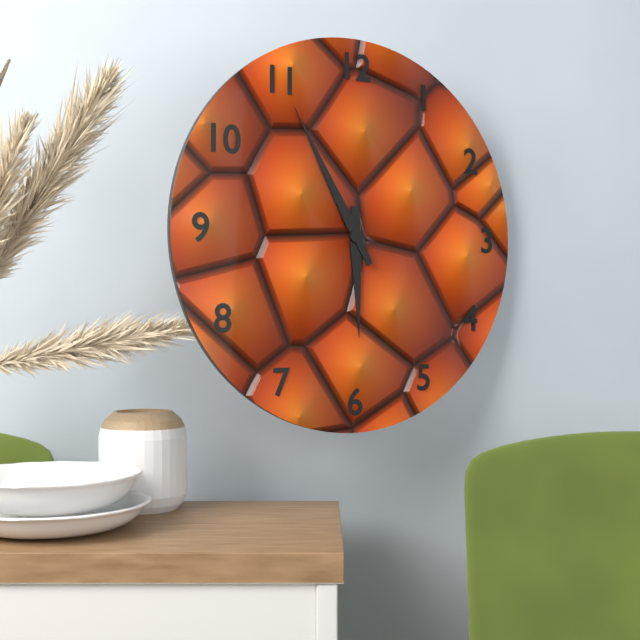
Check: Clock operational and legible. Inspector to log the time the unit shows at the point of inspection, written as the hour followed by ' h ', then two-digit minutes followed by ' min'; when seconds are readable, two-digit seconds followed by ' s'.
5 h 55 min
